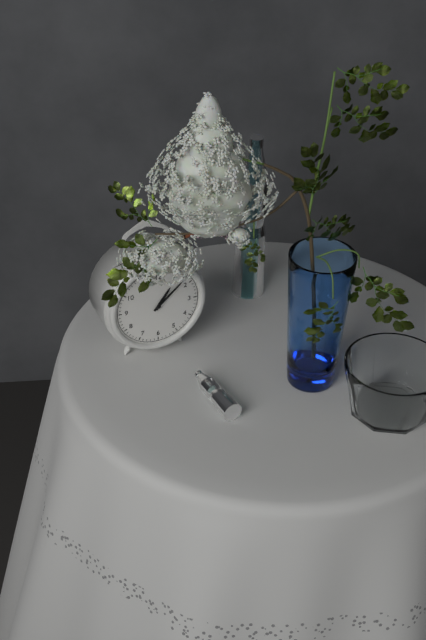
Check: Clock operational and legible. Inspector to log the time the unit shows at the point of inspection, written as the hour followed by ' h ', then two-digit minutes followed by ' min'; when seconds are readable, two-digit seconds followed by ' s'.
1 h 08 min
